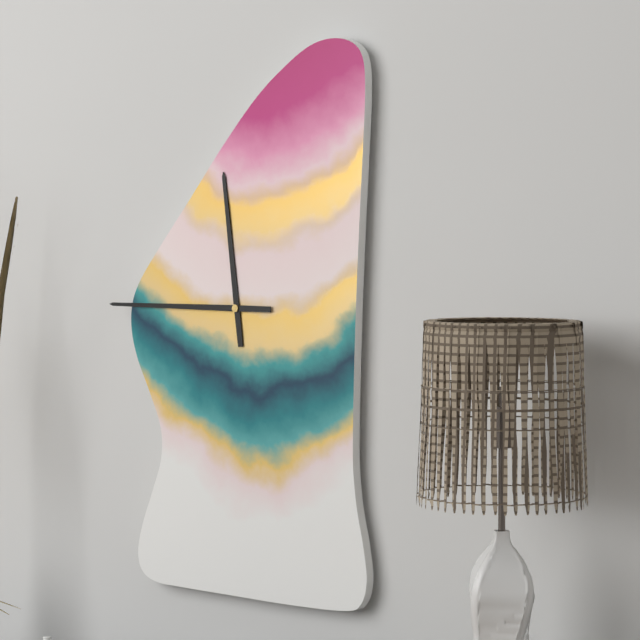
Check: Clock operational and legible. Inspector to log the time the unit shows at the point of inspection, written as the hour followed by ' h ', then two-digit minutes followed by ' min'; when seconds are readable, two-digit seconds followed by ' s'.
11 h 45 min
